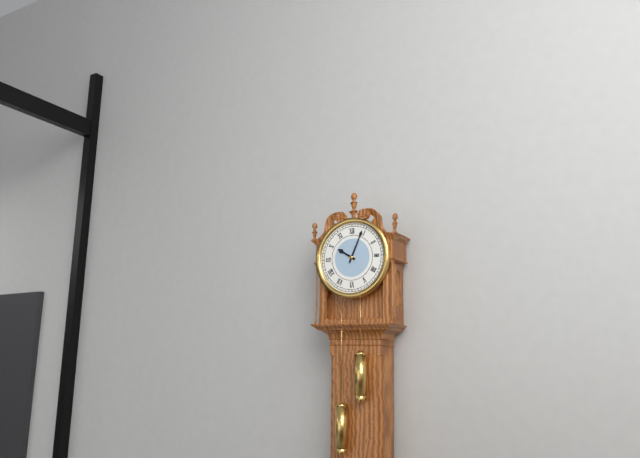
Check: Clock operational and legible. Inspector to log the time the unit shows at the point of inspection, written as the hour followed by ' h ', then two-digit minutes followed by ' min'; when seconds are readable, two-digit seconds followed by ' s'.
10 h 04 min
